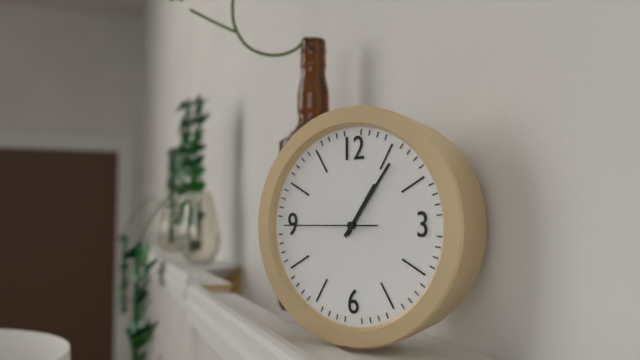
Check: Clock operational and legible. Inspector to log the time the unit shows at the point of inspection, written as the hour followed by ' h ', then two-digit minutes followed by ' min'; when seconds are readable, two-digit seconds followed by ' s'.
1 h 06 min 45 s
